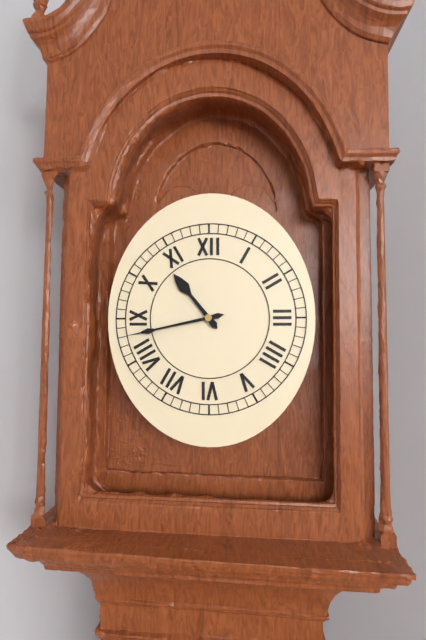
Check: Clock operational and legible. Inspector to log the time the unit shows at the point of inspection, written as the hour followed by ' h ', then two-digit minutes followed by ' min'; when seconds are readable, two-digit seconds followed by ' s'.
10 h 43 min
